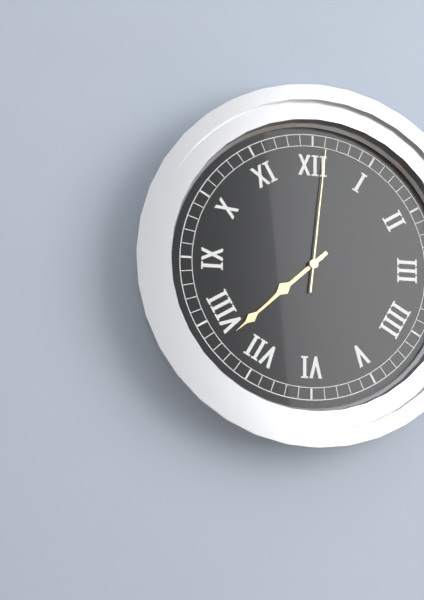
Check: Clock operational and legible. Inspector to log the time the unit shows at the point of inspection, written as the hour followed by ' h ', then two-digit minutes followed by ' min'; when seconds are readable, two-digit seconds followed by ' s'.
7 h 38 min 01 s
